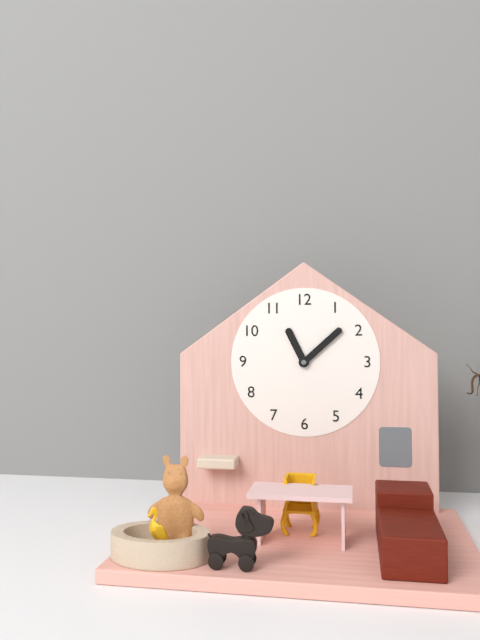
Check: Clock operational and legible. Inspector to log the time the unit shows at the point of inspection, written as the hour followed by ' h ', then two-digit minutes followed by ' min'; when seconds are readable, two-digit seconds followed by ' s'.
11 h 08 min
